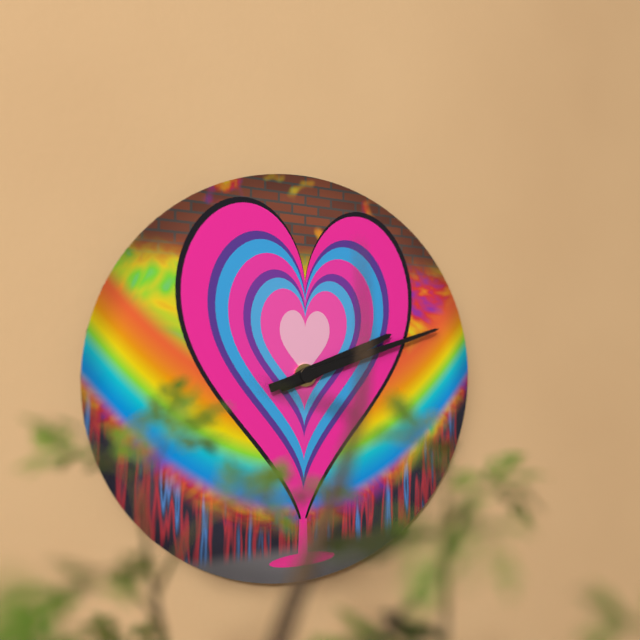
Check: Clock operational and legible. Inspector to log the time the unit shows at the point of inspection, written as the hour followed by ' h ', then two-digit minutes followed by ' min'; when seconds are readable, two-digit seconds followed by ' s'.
2 h 12 min
